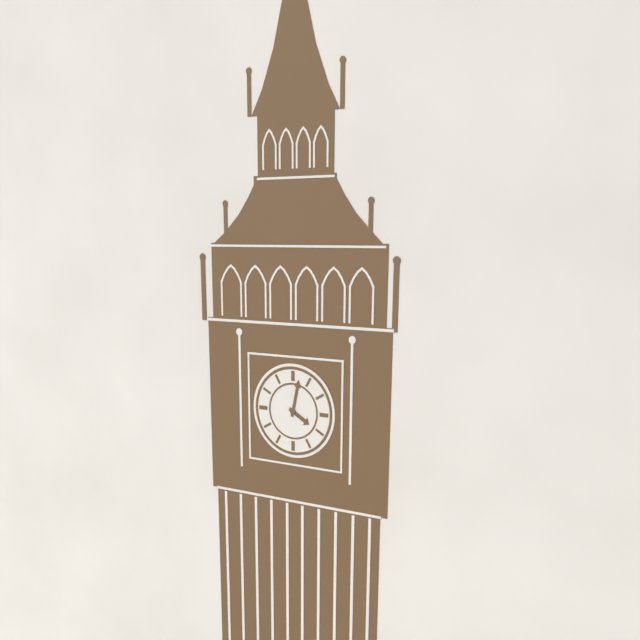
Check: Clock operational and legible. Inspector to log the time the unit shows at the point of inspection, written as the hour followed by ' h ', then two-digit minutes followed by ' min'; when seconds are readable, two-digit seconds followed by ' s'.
4 h 02 min
